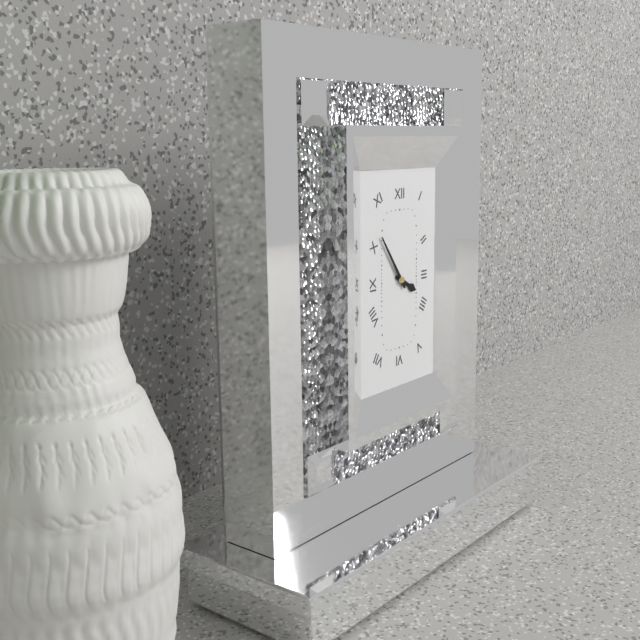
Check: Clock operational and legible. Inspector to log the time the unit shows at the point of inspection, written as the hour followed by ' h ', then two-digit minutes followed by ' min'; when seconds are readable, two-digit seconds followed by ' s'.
3 h 54 min
